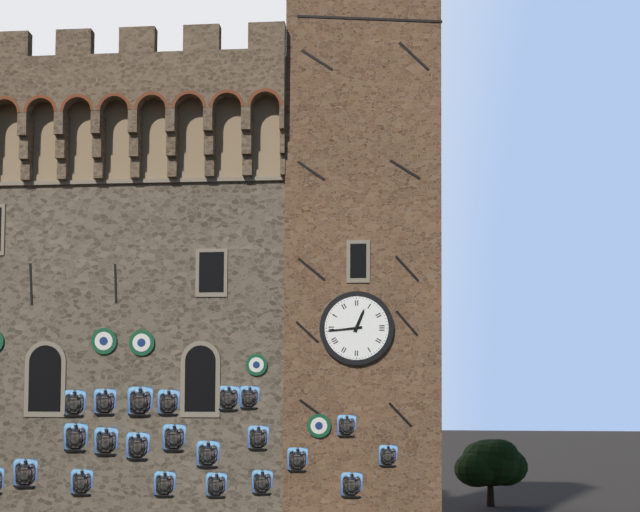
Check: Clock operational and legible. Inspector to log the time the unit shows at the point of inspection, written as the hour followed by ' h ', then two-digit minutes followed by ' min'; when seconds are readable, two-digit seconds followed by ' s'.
12 h 44 min
